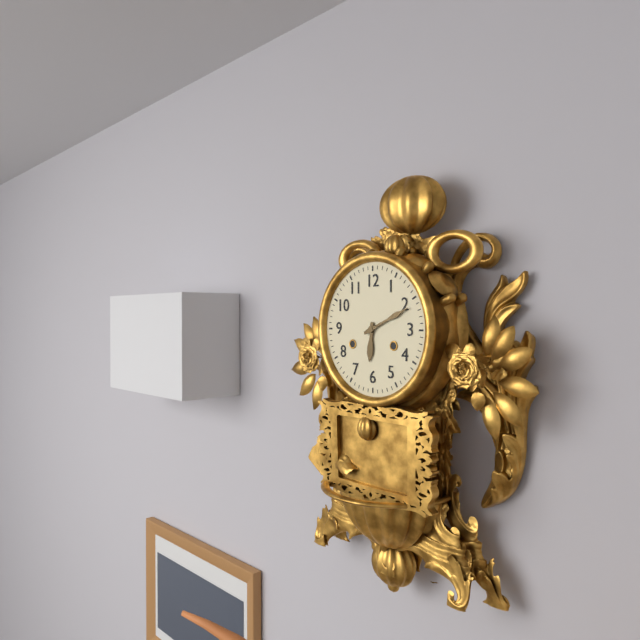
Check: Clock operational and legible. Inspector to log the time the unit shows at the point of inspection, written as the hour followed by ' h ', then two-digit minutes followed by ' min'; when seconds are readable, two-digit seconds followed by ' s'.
6 h 11 min
